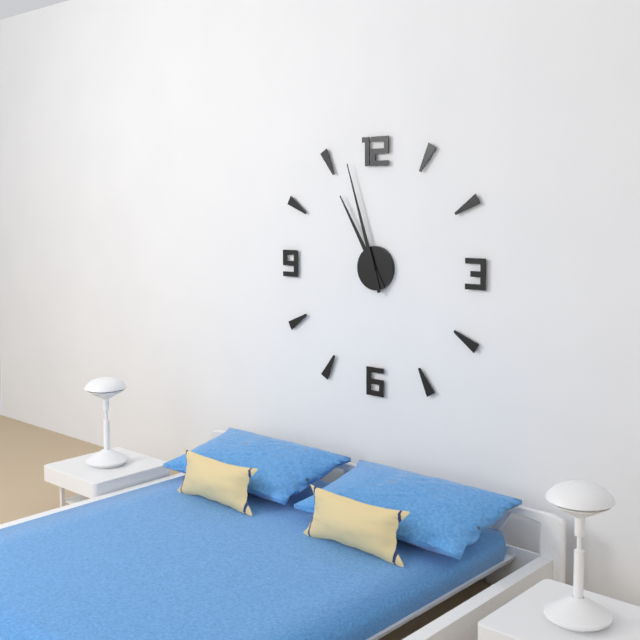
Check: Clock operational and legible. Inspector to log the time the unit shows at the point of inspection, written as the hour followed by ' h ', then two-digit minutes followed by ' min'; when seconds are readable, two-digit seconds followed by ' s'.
10 h 57 min
